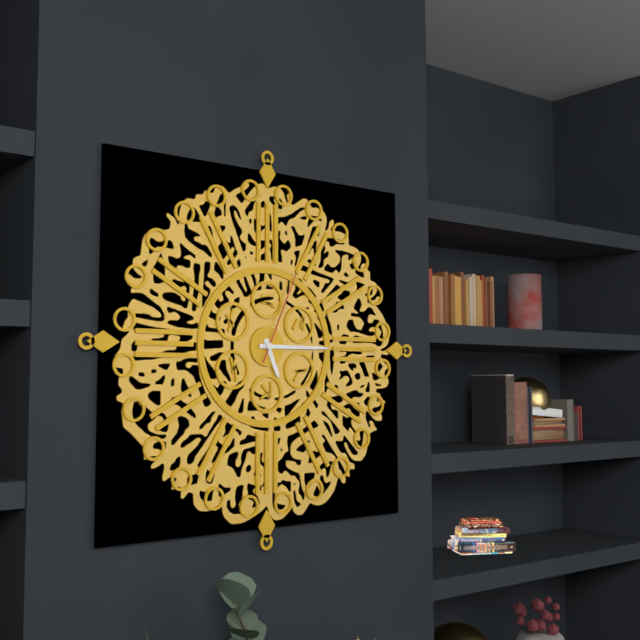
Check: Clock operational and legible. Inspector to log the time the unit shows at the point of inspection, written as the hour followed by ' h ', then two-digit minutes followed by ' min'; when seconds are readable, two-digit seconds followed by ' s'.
5 h 15 min 04 s
